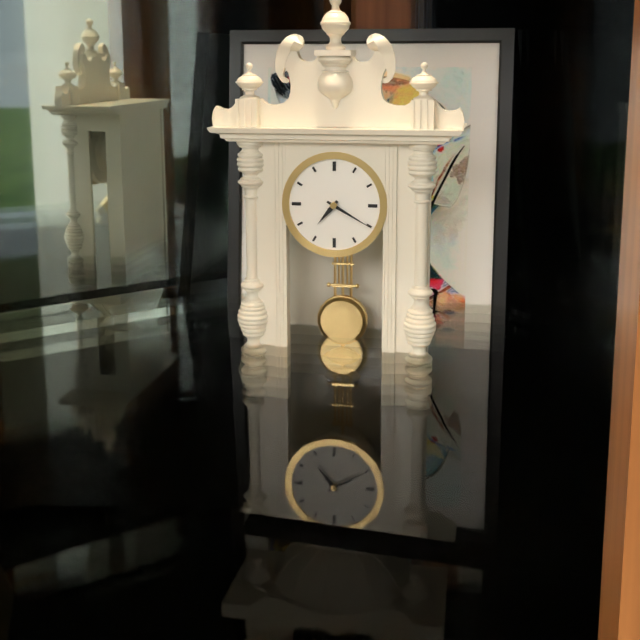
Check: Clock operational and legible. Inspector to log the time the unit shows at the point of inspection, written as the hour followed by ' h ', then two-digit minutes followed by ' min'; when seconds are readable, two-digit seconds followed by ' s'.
7 h 20 min
